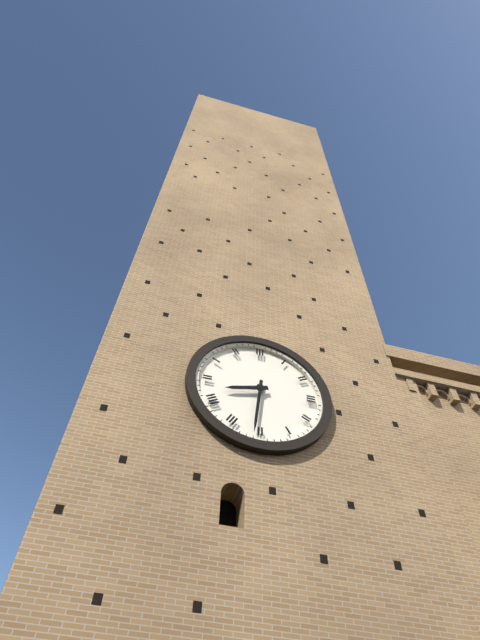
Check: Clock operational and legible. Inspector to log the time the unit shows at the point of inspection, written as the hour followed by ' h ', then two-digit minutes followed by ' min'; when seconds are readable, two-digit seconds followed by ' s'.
8 h 31 min
